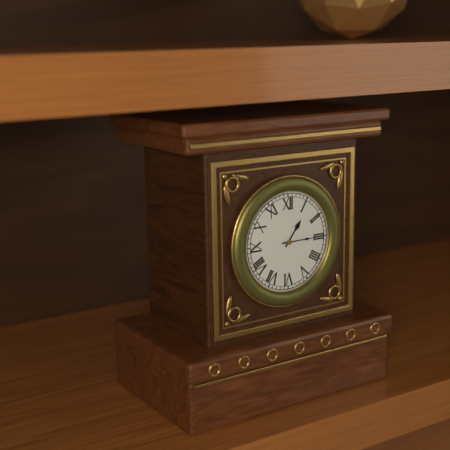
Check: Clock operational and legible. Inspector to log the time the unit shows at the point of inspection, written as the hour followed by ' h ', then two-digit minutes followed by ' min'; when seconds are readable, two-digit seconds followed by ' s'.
1 h 15 min
